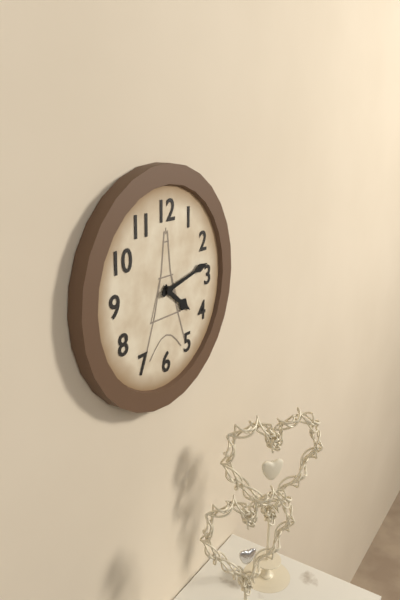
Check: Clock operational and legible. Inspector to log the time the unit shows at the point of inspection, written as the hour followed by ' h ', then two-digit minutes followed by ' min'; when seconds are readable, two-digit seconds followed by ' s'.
4 h 13 min
